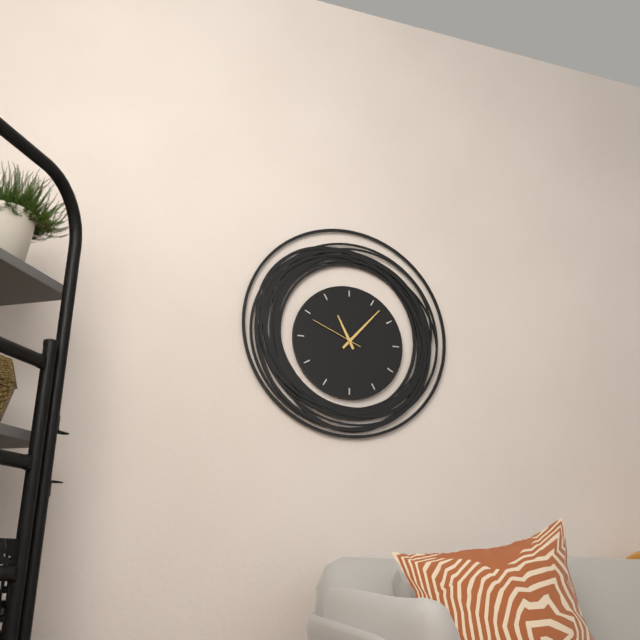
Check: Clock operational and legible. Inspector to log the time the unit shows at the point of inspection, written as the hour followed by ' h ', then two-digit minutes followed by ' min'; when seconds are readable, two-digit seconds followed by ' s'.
11 h 07 min 49 s
